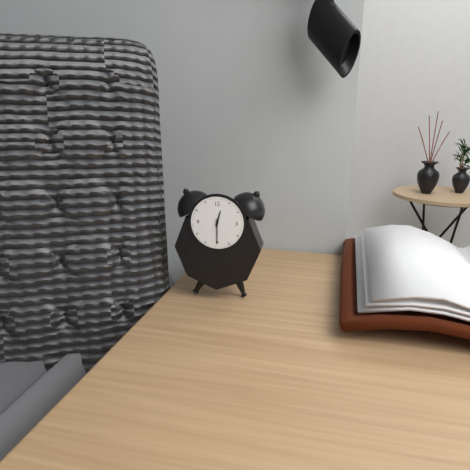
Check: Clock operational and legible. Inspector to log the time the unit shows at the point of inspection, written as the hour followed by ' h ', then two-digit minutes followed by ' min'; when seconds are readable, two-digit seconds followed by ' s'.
12 h 30 min
